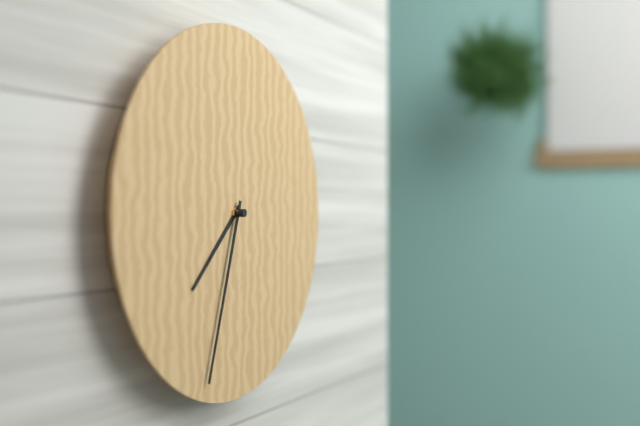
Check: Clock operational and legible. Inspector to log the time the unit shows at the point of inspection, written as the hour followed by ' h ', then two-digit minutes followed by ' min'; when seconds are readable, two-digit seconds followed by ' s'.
7 h 33 min
